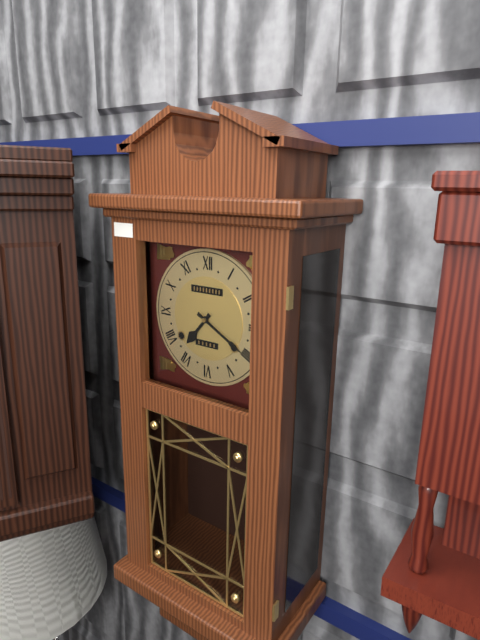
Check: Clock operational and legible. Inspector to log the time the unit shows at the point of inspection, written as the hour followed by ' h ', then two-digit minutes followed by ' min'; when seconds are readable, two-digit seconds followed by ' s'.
7 h 20 min
